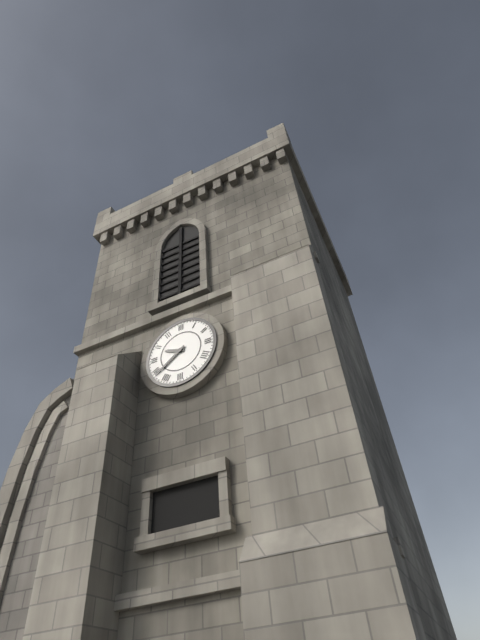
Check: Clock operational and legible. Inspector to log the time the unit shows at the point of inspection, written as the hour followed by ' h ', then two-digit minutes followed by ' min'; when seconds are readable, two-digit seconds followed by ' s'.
9 h 39 min
